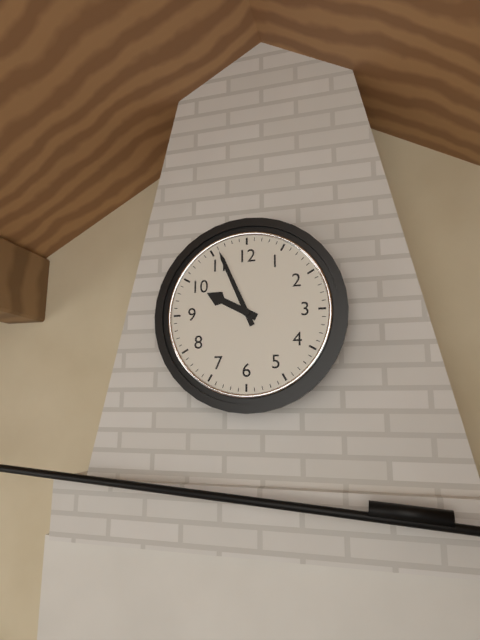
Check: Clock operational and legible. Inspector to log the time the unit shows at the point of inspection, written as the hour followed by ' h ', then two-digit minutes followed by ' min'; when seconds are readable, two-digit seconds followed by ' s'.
9 h 56 min
